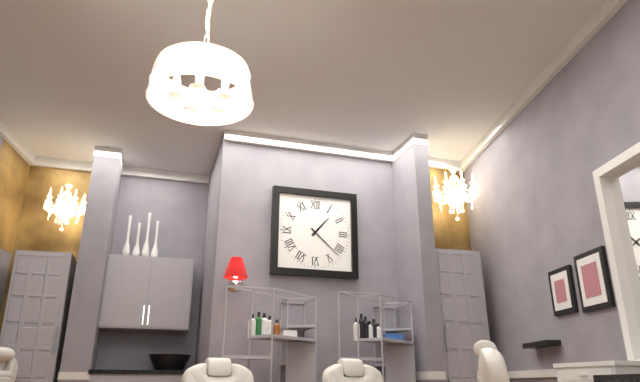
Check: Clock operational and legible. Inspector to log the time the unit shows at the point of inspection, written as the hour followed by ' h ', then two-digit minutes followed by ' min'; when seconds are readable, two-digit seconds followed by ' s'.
1 h 22 min
